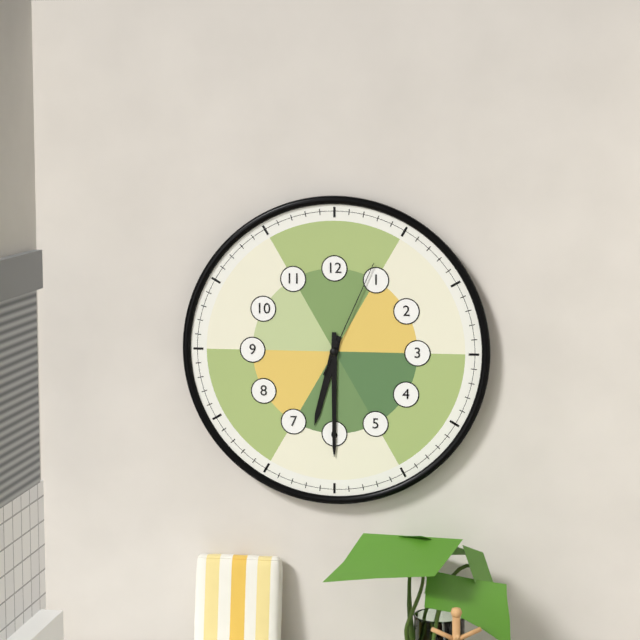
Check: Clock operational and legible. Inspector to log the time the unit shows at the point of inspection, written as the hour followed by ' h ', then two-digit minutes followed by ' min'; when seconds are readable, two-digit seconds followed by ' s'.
6 h 30 min 04 s
